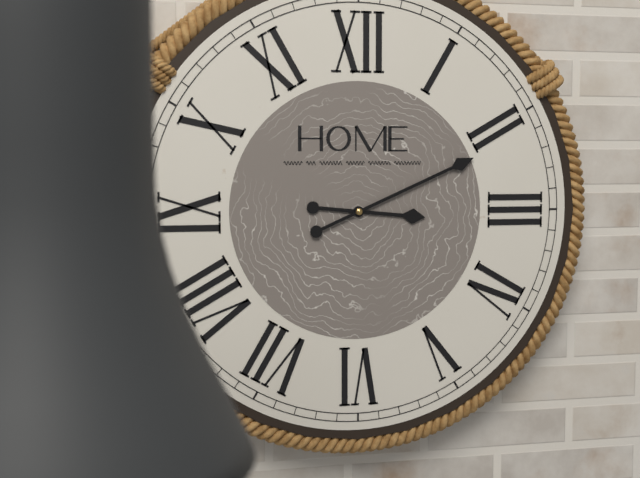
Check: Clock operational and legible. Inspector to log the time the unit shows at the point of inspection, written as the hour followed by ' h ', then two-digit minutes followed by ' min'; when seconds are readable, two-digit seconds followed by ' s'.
3 h 11 min
